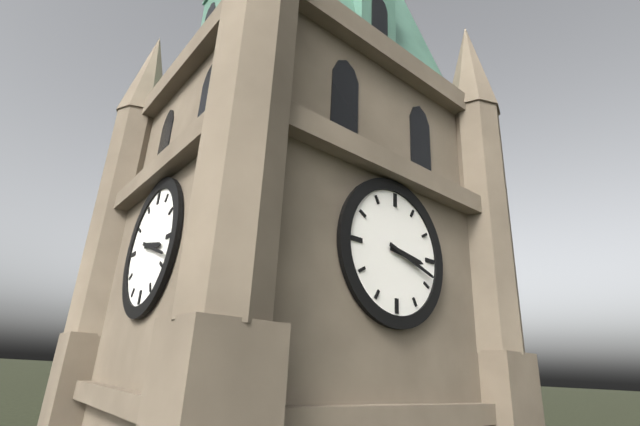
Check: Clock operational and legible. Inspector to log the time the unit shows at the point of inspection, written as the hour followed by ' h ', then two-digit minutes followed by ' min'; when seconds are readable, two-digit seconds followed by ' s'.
3 h 18 min
